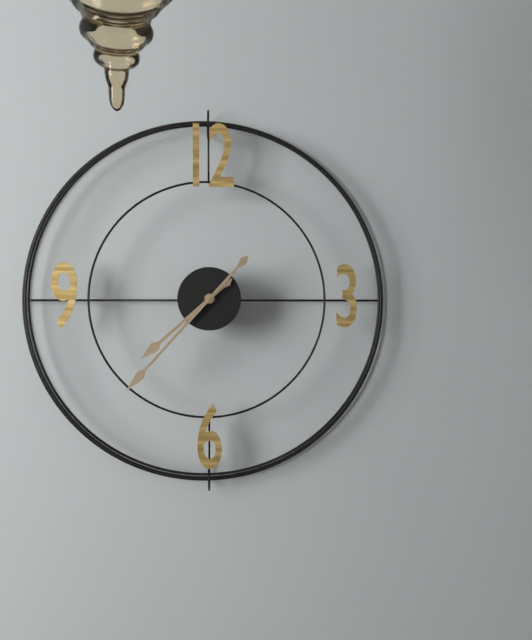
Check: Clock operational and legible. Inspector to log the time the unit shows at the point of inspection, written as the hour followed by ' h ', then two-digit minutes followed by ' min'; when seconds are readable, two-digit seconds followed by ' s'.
7 h 37 min
